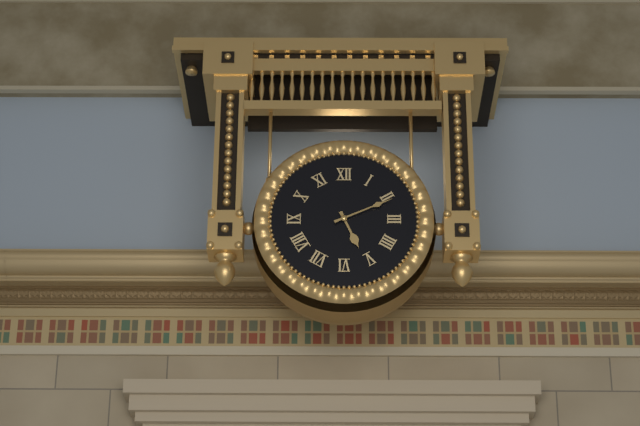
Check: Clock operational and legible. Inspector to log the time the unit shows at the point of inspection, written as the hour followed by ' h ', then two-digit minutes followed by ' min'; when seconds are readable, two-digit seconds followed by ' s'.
5 h 11 min
